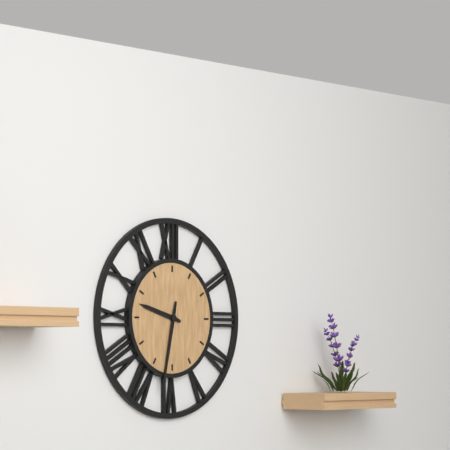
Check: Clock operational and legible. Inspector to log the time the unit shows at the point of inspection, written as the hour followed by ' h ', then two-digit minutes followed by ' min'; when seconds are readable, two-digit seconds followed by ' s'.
9 h 32 min
